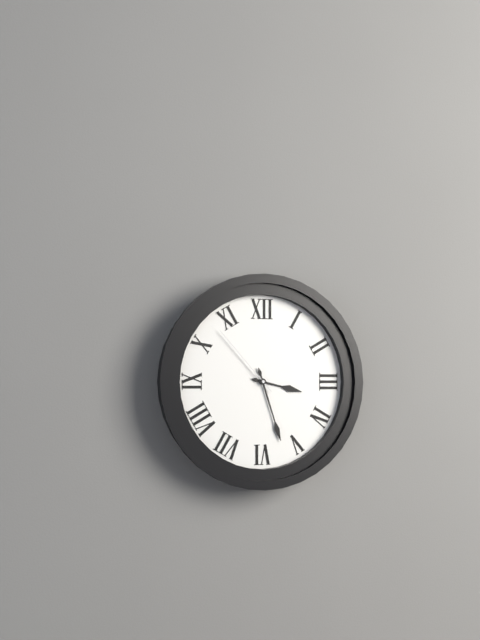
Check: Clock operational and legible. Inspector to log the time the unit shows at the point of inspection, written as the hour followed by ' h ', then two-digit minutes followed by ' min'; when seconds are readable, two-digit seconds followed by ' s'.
3 h 27 min 53 s
